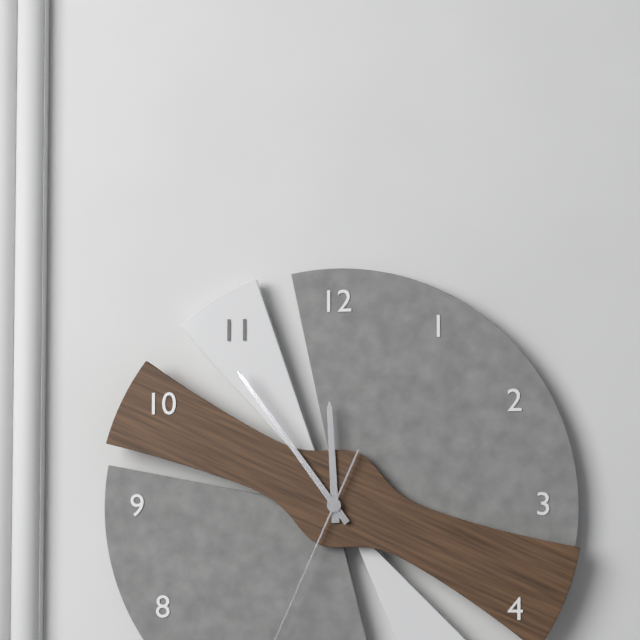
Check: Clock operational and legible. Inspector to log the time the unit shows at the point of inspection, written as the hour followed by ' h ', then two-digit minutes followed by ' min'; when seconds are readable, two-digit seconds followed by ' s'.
11 h 54 min
